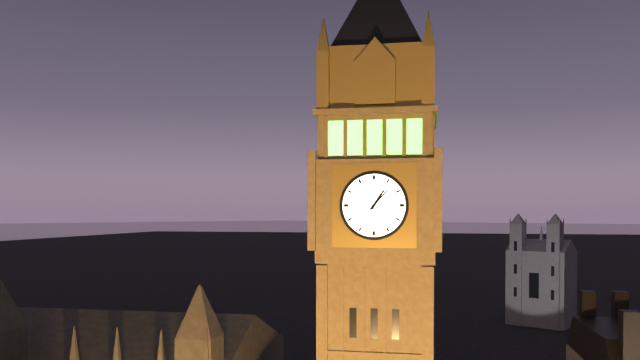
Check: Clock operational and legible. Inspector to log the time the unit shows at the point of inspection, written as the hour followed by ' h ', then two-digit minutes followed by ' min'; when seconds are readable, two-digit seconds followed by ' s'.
1 h 07 min
